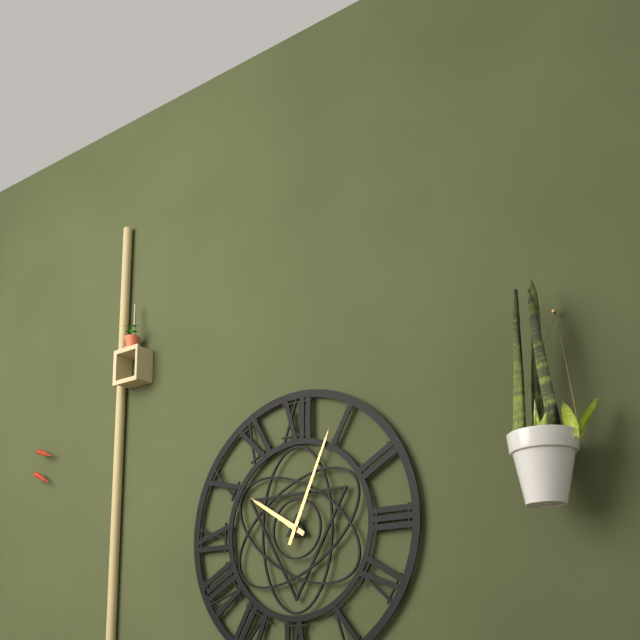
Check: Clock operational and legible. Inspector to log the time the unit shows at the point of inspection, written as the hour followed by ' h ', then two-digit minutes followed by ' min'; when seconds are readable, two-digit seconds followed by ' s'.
10 h 04 min
